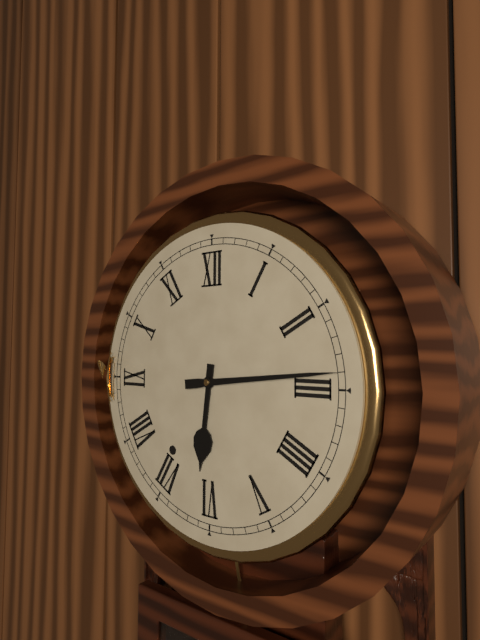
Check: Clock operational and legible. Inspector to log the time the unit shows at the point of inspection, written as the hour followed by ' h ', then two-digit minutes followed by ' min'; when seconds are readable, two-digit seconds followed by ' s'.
6 h 14 min
